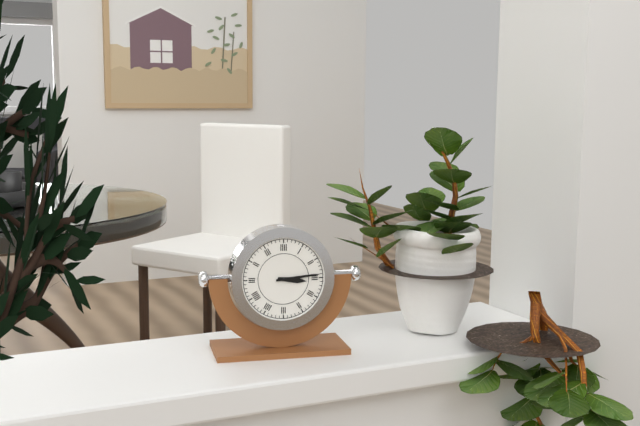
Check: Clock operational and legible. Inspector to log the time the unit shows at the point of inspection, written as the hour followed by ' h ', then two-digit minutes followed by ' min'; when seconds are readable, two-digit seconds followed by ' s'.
3 h 14 min
